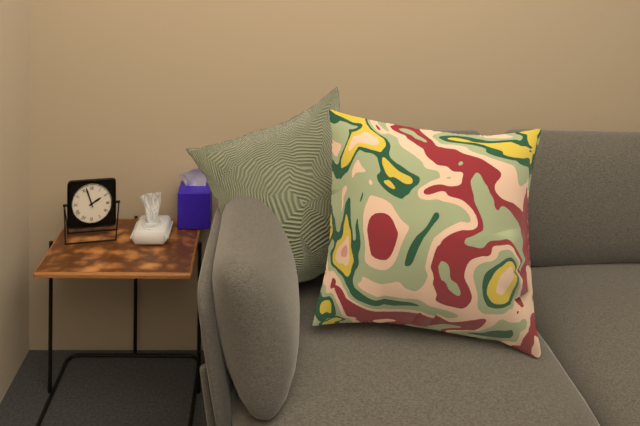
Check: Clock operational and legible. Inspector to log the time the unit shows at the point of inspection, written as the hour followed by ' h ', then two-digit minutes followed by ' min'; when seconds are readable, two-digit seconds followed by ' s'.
1 h 57 min
